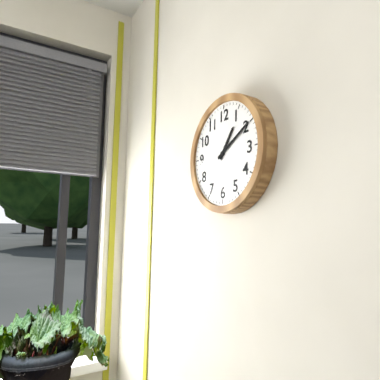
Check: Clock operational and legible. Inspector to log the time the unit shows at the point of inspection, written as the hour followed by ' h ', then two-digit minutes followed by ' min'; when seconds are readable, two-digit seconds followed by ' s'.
1 h 10 min
